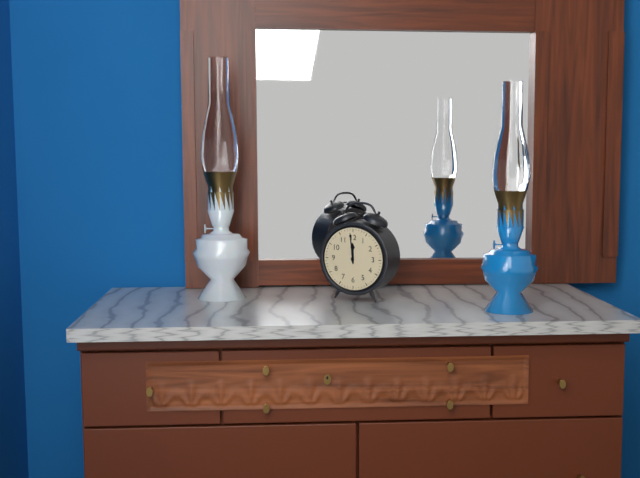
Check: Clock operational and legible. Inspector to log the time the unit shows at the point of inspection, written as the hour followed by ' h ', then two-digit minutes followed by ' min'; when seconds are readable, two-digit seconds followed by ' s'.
11 h 59 min
